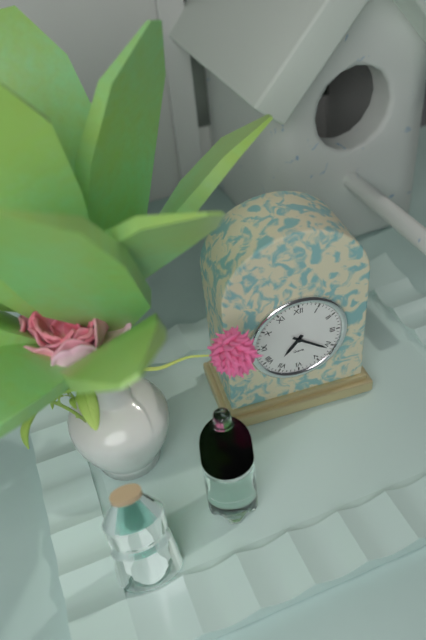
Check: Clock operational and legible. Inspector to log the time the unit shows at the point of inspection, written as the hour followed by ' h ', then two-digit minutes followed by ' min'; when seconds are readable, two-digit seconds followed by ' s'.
7 h 21 min
